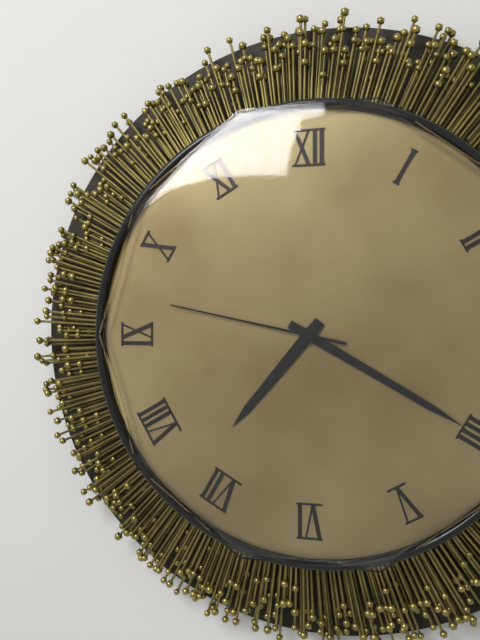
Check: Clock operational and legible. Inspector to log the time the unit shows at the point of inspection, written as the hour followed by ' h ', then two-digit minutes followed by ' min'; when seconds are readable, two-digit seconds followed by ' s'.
7 h 20 min 47 s
